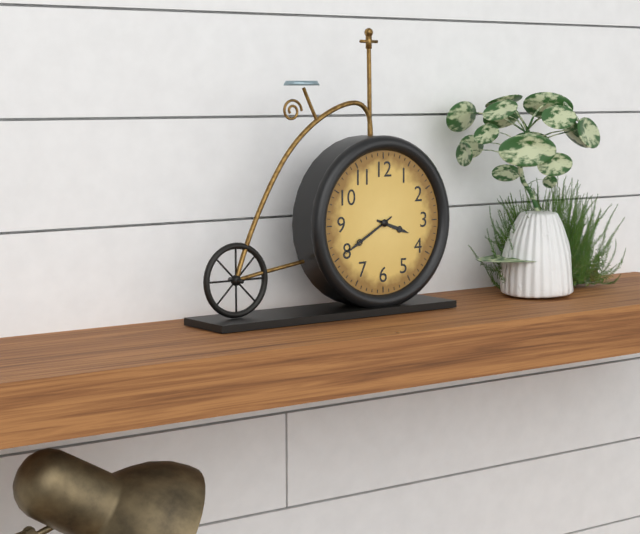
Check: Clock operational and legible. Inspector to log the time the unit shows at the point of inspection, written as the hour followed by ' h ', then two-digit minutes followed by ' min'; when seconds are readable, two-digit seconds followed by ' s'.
3 h 40 min
